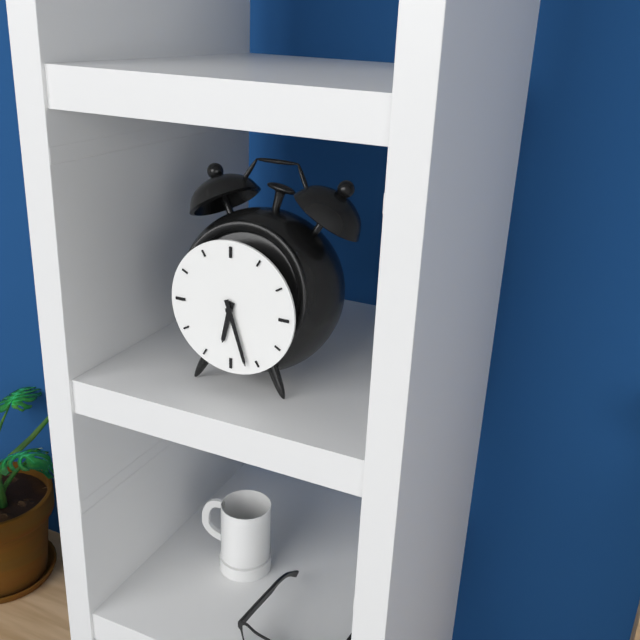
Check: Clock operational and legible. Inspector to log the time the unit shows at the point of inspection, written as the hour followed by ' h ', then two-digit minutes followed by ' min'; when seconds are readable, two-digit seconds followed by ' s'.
6 h 27 min
